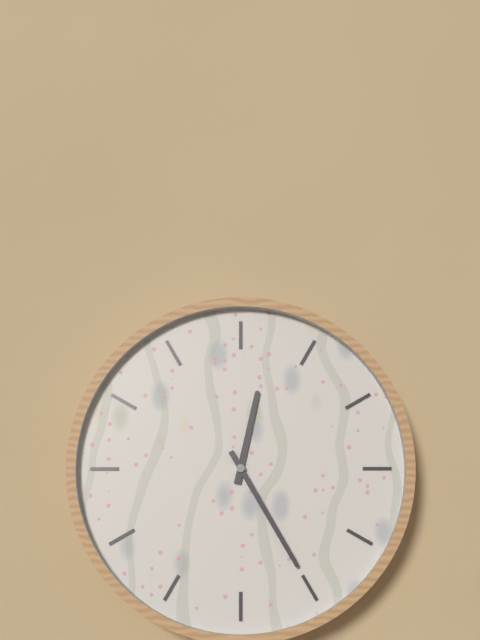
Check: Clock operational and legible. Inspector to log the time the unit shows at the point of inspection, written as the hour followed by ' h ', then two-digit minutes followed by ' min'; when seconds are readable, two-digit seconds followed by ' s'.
12 h 25 min
